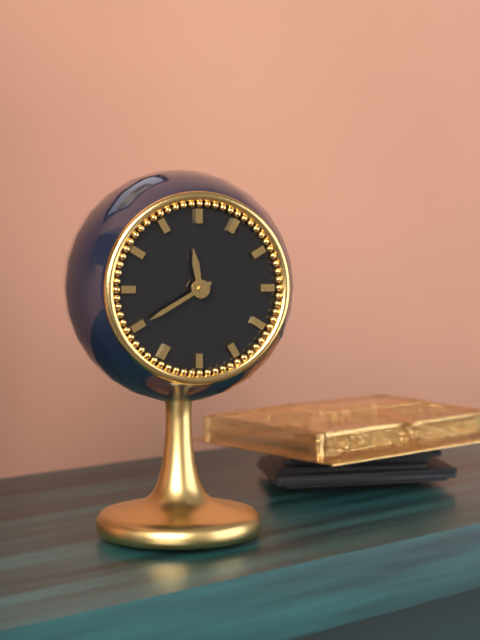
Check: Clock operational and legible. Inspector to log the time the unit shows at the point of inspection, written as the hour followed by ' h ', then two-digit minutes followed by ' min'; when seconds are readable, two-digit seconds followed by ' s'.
11 h 40 min
